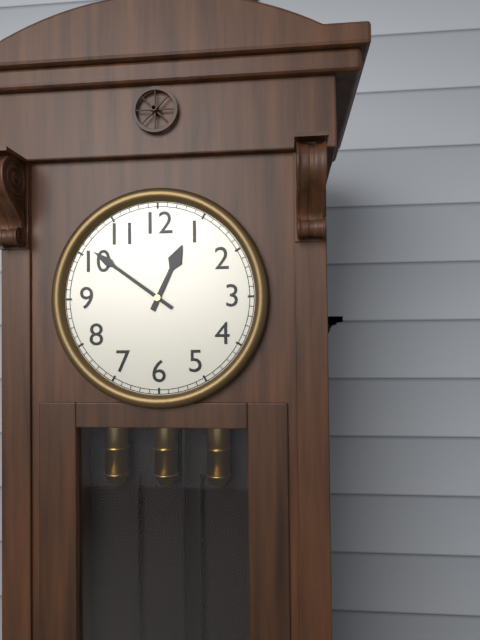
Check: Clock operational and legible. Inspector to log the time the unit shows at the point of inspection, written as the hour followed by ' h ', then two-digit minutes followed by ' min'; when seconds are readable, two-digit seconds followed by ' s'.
12 h 51 min
